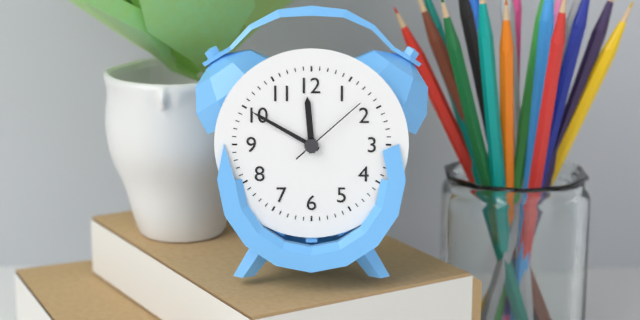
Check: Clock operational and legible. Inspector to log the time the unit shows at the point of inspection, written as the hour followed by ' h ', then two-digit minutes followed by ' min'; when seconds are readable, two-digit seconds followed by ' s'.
11 h 50 min 08 s
